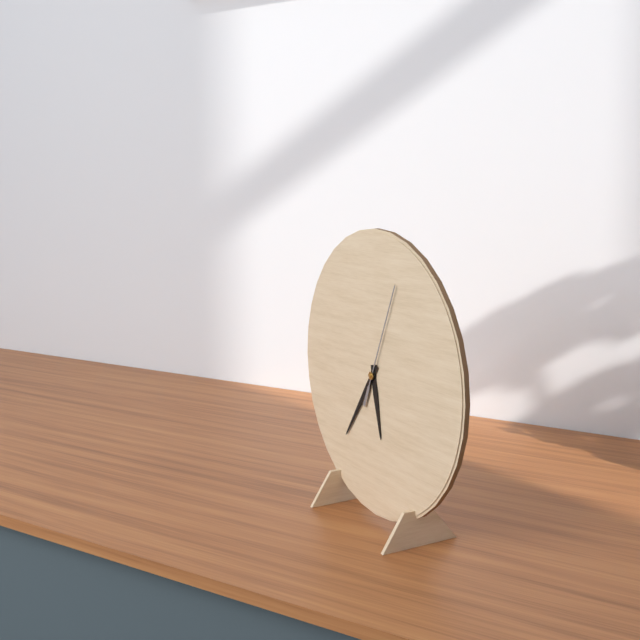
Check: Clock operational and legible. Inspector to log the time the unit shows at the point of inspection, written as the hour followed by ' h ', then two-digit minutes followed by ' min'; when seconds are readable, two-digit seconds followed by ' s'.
5 h 36 min 04 s
